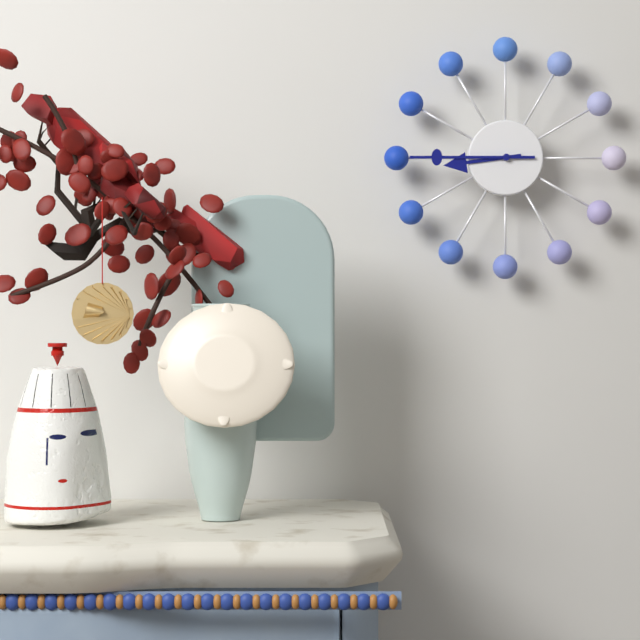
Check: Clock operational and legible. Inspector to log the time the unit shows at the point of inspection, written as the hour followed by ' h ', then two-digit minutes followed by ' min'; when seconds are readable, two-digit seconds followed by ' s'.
8 h 45 min
